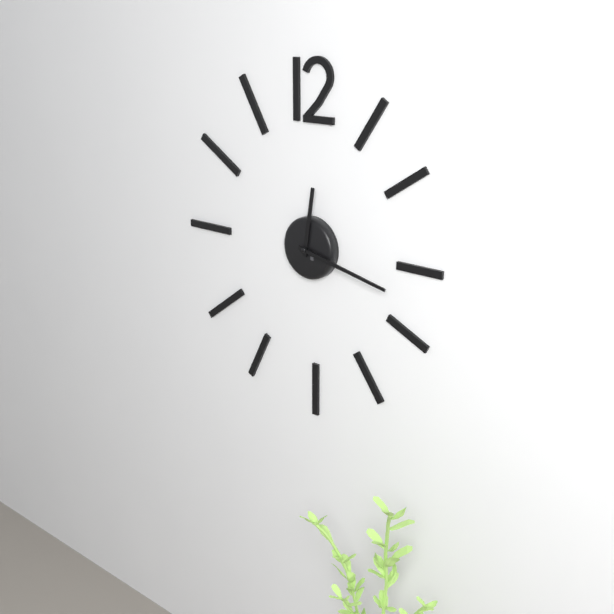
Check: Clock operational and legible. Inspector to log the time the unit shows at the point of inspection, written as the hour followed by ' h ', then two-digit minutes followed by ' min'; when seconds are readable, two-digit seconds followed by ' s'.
12 h 17 min
